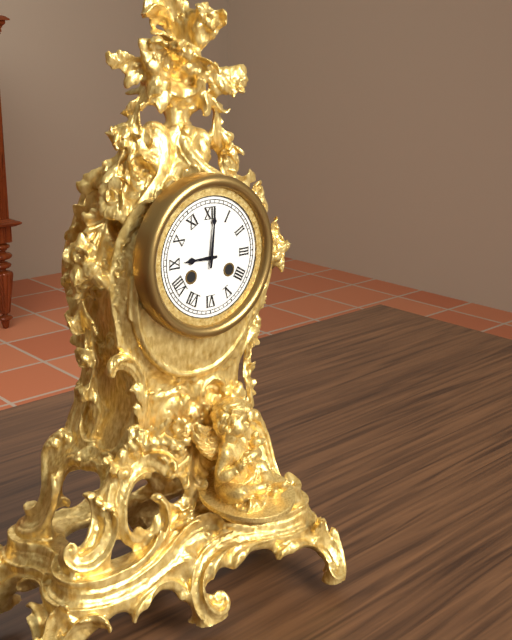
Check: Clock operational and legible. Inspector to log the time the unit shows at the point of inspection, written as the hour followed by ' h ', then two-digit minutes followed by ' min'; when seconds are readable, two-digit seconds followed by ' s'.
9 h 01 min
